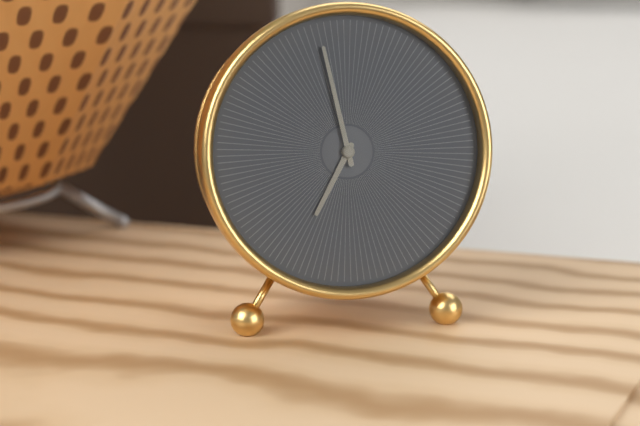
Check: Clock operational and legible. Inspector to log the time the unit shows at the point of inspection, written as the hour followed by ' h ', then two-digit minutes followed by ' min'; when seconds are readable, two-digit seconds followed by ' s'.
6 h 58 min
